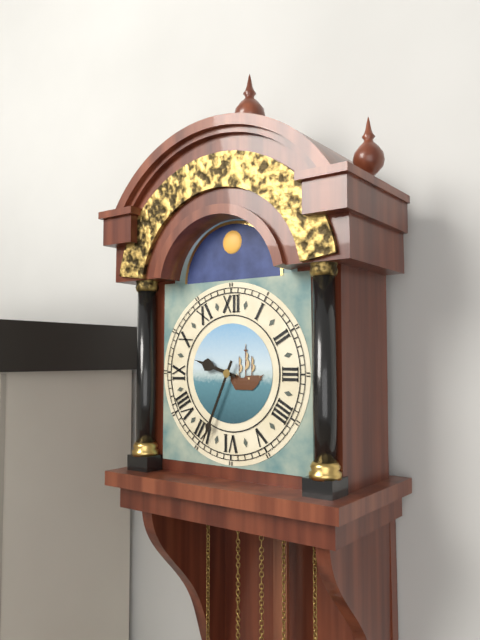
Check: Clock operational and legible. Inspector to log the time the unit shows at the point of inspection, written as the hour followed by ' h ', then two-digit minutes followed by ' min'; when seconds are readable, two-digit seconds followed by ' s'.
9 h 34 min
